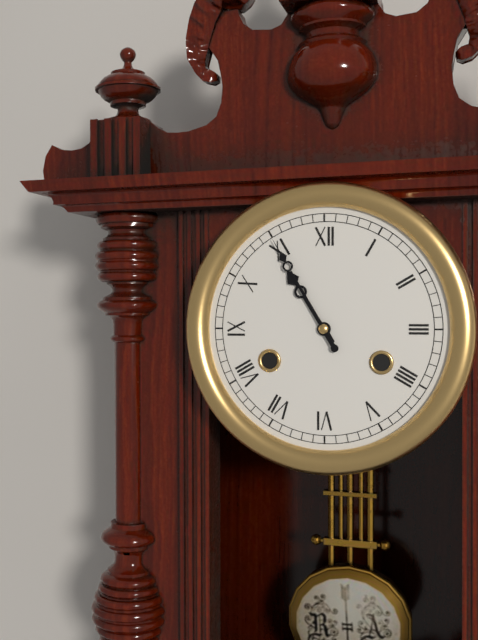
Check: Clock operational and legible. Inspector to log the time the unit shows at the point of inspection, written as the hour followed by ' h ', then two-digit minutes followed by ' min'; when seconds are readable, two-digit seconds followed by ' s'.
10 h 55 min
